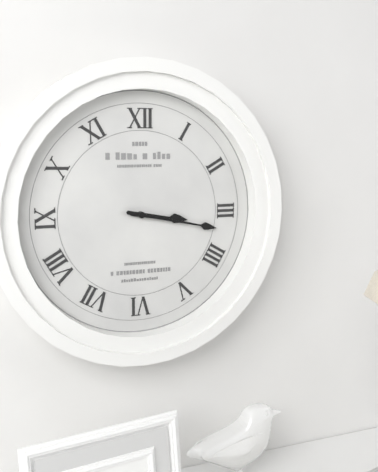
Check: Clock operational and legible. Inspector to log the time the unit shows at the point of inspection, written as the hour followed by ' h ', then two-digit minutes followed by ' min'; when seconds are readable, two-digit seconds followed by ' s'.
3 h 17 min
